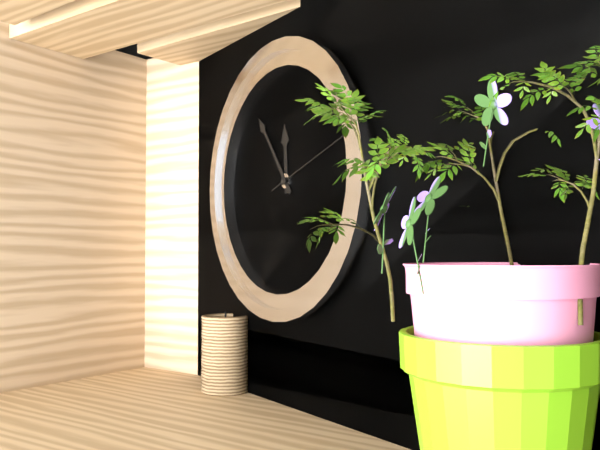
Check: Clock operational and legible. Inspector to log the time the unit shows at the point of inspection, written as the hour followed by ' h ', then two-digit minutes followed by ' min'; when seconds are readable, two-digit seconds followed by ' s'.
11 h 54 min 12 s
